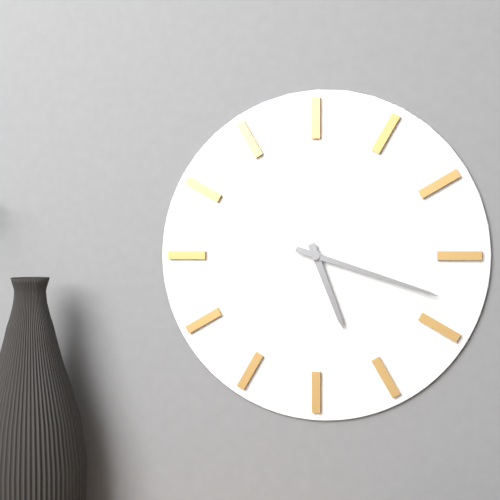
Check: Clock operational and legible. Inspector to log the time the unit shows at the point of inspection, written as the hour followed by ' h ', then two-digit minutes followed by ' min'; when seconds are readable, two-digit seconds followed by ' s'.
5 h 18 min
